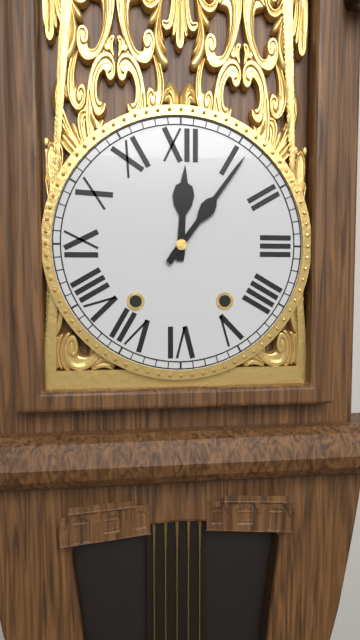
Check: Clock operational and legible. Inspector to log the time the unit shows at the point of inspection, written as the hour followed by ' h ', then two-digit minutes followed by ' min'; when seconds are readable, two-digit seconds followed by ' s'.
12 h 06 min
